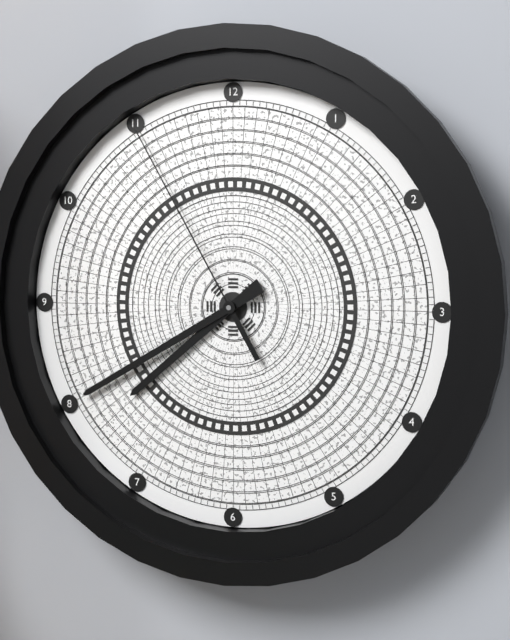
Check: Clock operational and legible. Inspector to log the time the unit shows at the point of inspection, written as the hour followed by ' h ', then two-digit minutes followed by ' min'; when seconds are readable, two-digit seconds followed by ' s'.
7 h 40 min 55 s
